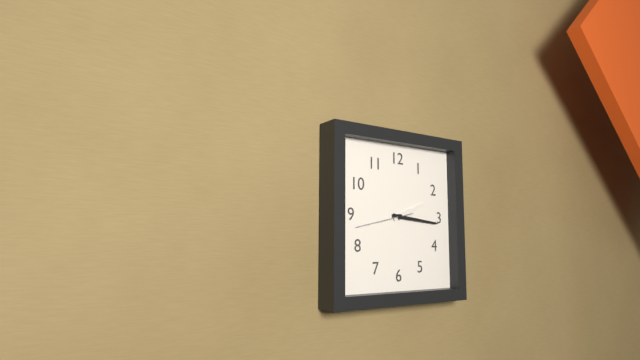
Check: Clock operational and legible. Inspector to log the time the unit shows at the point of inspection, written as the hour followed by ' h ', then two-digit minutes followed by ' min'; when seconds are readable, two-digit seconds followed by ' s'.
2 h 16 min 43 s
